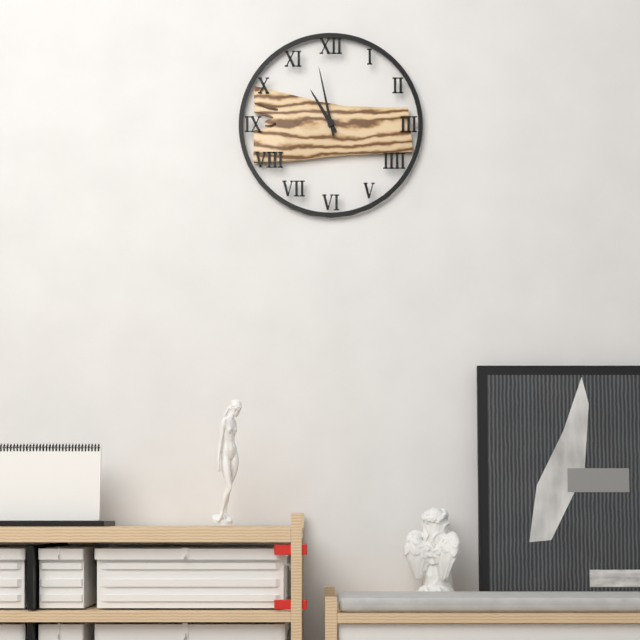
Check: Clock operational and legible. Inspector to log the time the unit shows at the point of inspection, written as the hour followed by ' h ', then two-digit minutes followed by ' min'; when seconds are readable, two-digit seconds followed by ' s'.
10 h 58 min
